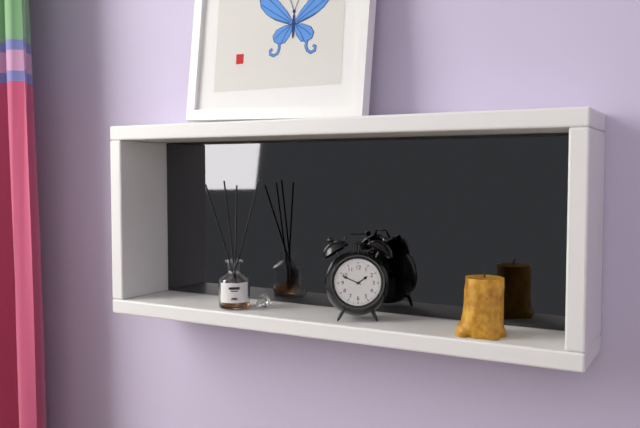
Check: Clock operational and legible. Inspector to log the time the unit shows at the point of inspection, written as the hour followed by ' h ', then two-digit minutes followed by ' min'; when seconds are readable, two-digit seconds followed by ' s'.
1 h 49 min
